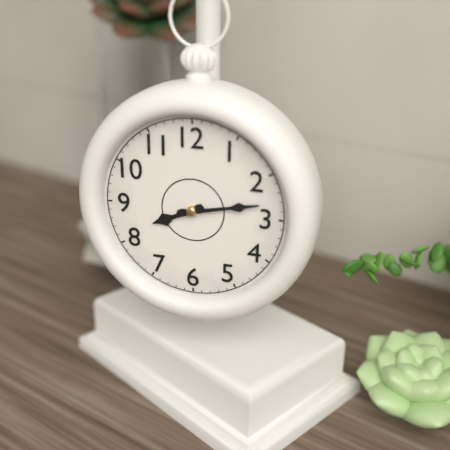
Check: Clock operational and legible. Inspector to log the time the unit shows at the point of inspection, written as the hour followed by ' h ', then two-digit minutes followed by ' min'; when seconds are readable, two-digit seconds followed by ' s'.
8 h 13 min
